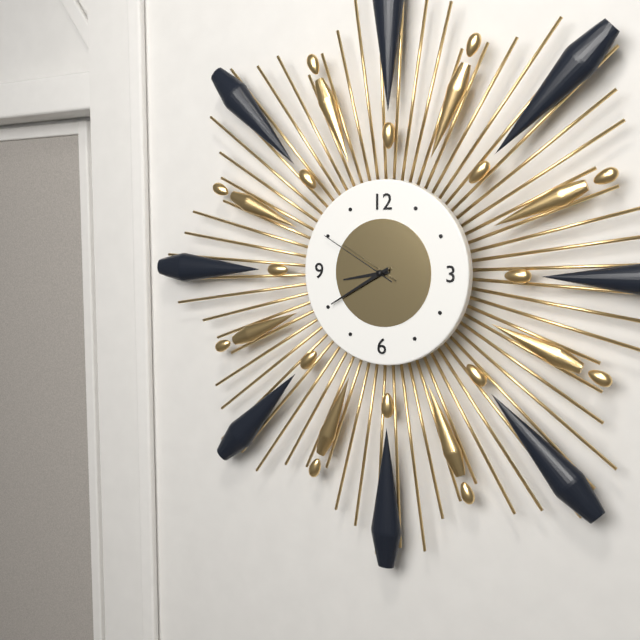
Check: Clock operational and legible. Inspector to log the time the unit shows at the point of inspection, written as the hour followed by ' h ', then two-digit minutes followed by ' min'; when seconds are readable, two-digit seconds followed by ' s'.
8 h 40 min 50 s
